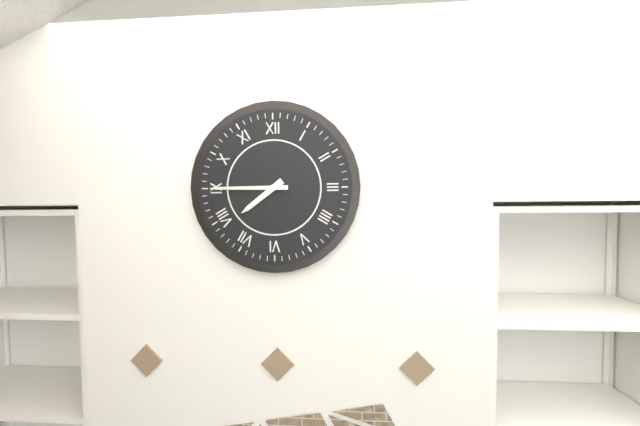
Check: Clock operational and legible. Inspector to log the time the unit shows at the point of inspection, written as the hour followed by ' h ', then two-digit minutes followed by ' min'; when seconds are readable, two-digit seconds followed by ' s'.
7 h 45 min
